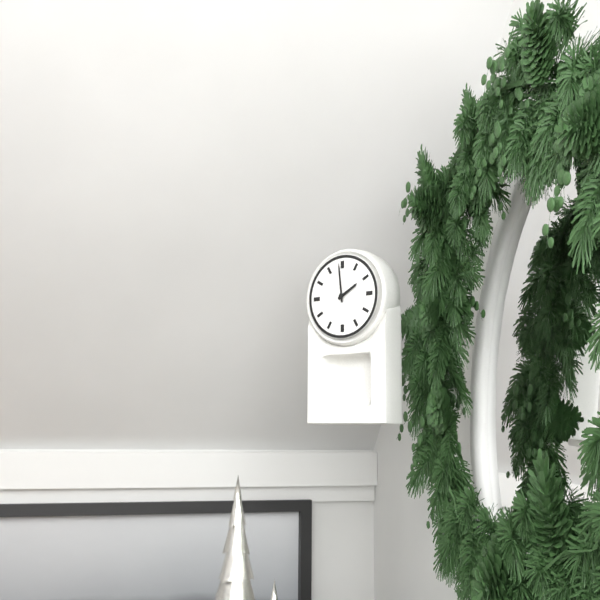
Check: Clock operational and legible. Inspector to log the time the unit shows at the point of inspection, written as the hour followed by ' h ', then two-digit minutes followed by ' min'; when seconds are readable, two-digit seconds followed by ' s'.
1 h 59 min
